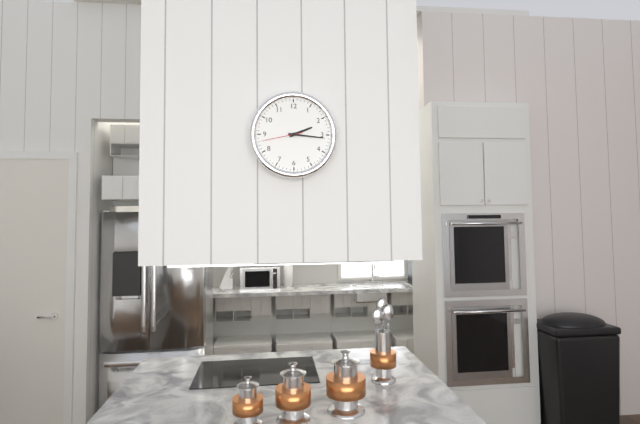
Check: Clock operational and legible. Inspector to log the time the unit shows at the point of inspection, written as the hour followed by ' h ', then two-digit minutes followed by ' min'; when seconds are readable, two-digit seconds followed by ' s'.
2 h 16 min
